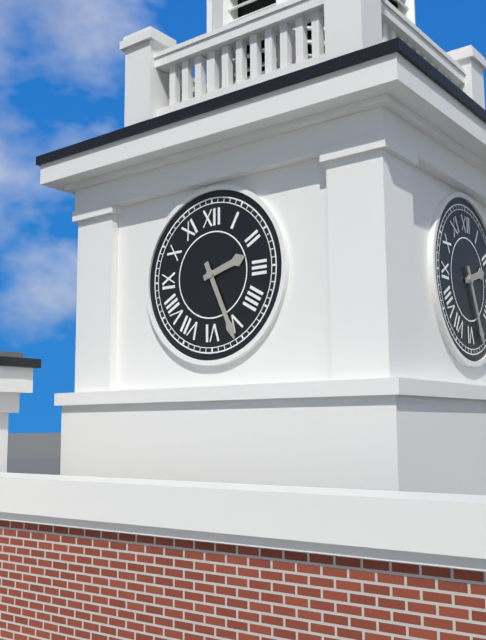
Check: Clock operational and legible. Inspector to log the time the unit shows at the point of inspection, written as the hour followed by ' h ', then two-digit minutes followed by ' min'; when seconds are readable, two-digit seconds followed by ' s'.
2 h 26 min
